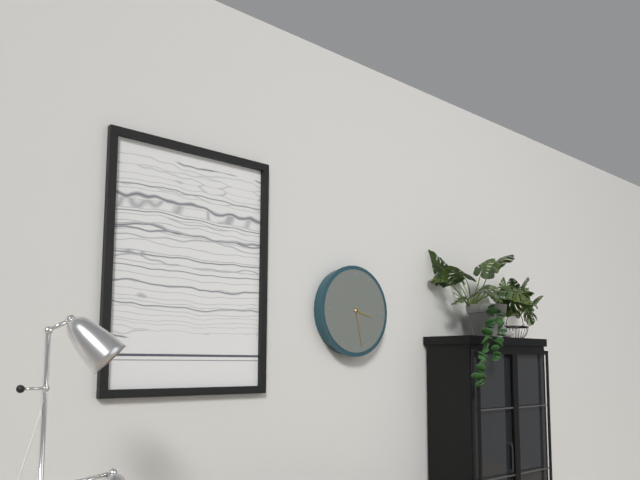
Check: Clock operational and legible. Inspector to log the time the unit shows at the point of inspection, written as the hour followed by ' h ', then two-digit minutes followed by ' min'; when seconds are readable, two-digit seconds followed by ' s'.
3 h 28 min
